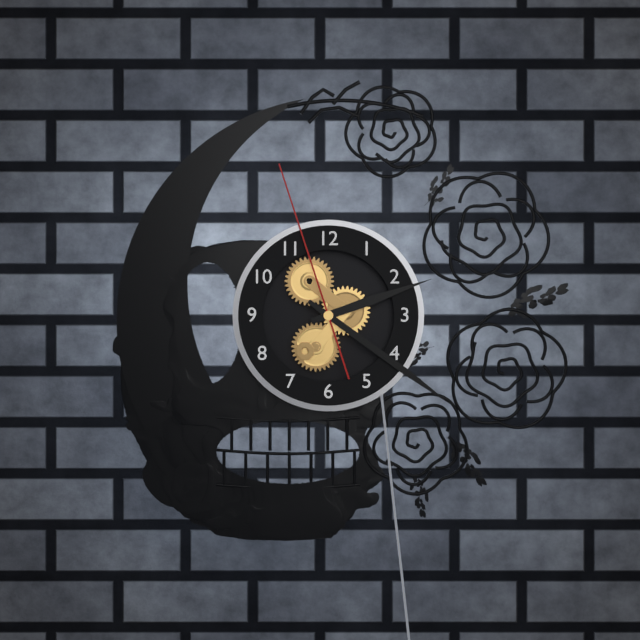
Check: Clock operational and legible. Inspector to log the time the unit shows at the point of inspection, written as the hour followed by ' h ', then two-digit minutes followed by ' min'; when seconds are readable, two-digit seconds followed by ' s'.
2 h 21 min 57 s
